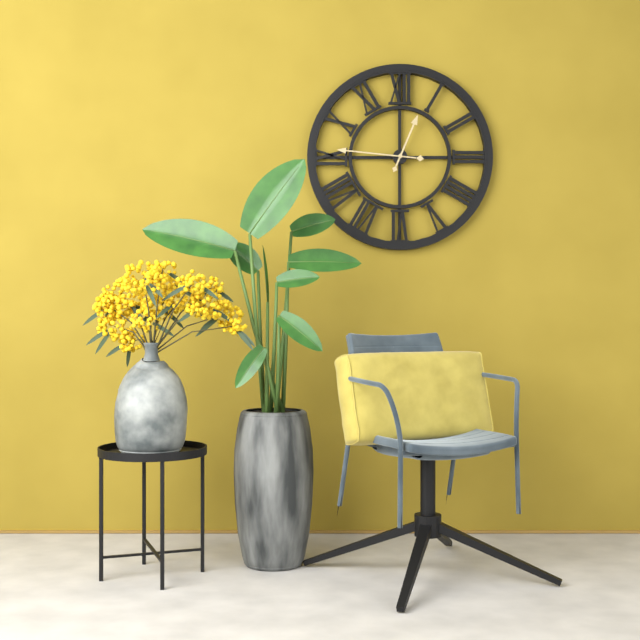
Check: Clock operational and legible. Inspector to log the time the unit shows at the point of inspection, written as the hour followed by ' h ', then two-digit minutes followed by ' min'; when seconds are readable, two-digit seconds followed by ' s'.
12 h 46 min
